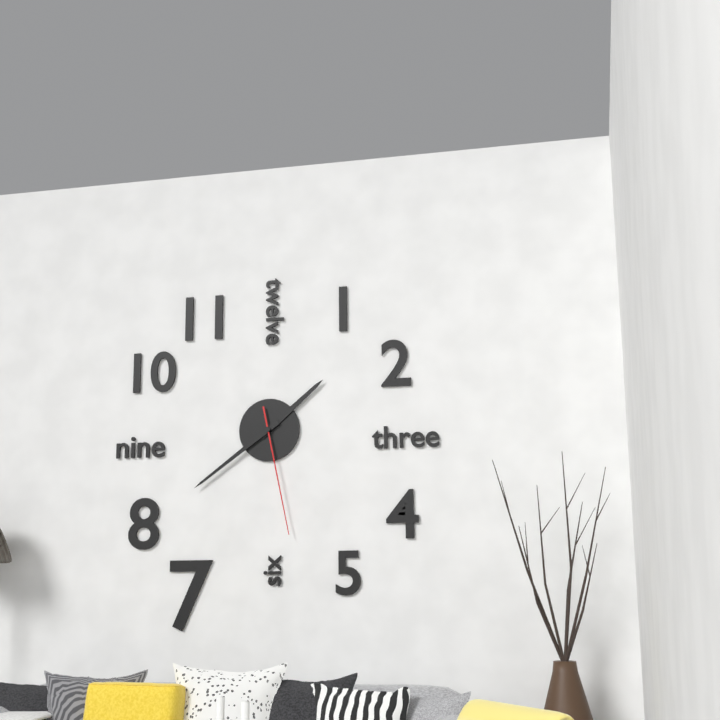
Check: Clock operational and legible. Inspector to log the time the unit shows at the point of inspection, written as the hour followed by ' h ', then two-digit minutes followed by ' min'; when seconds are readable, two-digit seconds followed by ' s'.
1 h 39 min 28 s
